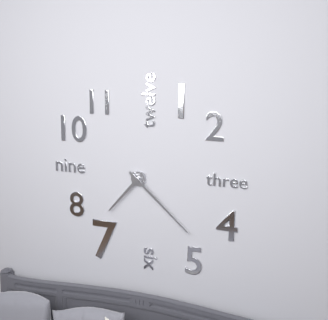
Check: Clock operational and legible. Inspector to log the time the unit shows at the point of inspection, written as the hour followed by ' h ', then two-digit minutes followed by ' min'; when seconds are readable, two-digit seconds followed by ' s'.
7 h 22 min
